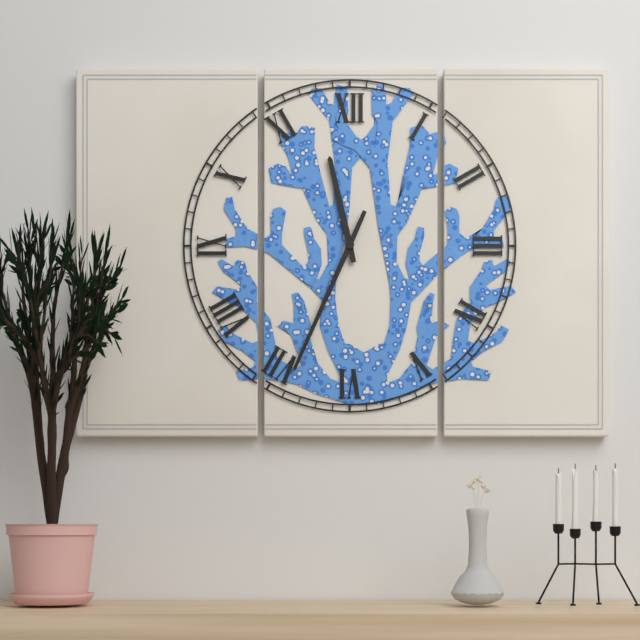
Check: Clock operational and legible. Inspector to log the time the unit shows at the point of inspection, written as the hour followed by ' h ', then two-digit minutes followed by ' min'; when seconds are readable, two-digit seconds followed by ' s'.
11 h 34 min
